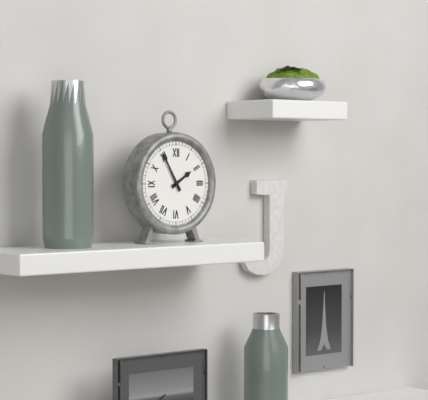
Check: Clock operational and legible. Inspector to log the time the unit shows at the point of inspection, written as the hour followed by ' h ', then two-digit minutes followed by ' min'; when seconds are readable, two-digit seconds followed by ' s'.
1 h 55 min
